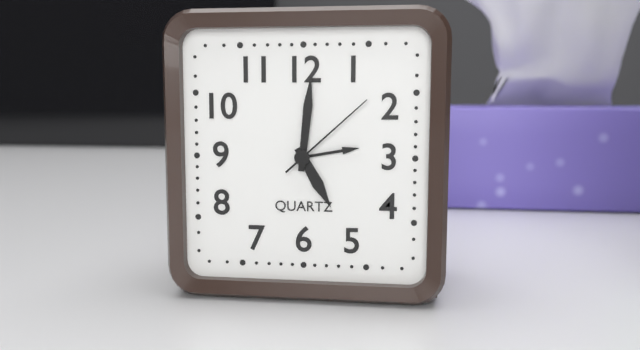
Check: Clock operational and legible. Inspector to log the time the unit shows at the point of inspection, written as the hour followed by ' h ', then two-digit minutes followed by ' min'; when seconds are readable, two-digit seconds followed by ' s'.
5 h 01 min 08 s
